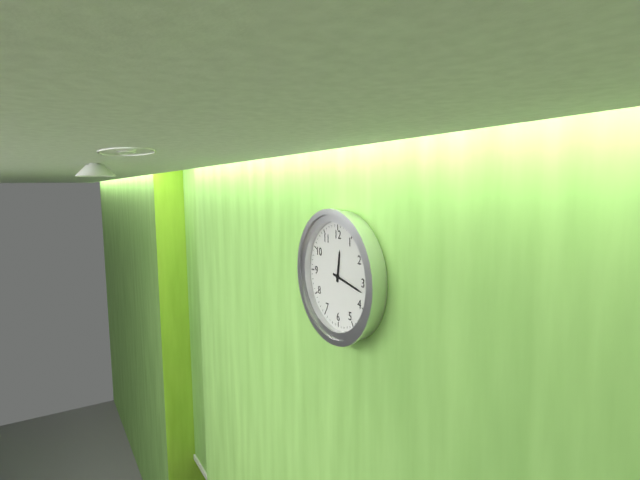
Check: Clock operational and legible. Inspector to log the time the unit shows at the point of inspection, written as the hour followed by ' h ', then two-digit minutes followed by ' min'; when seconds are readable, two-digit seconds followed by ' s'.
12 h 17 min
